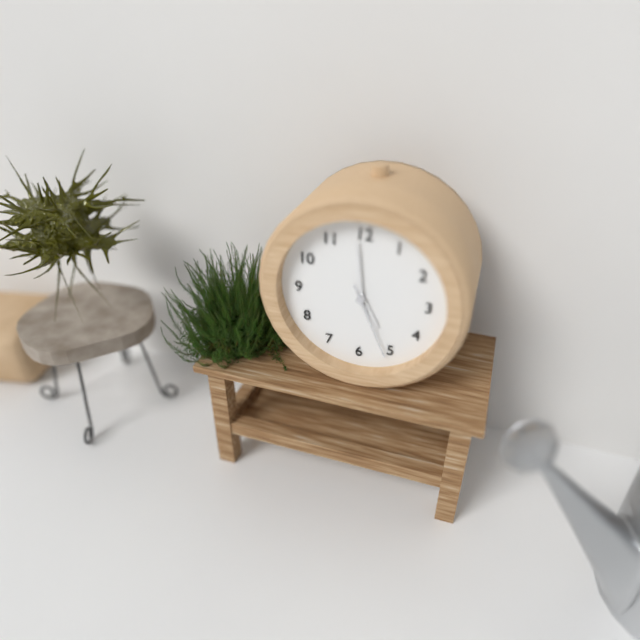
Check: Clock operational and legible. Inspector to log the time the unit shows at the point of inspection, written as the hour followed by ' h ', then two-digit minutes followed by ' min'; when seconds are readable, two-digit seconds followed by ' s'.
4 h 59 min 26 s
